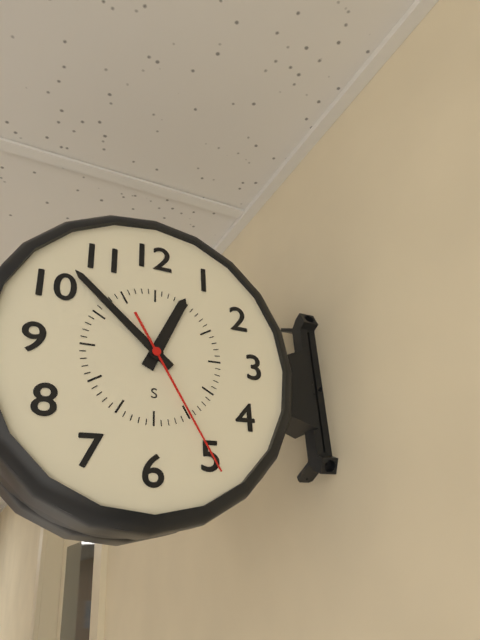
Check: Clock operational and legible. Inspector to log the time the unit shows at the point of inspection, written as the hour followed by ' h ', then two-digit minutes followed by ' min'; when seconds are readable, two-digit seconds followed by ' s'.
12 h 52 min 25 s
